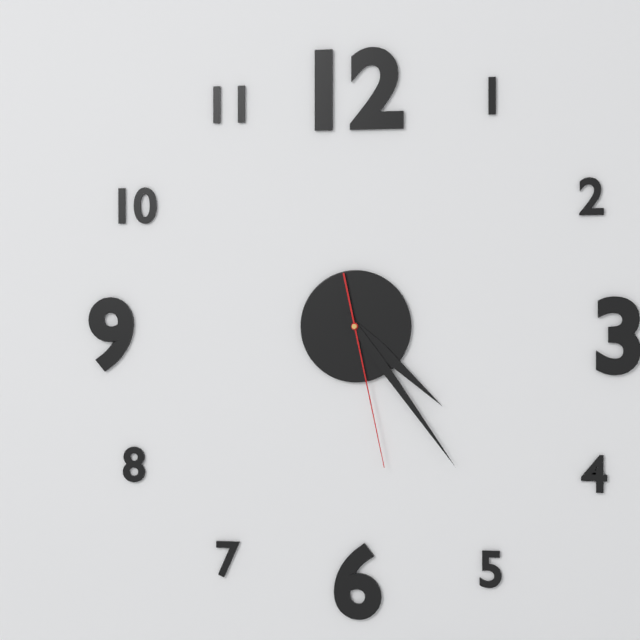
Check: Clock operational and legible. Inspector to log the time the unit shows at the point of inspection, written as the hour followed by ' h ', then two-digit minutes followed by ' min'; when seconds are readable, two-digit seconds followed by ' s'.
4 h 24 min 28 s
